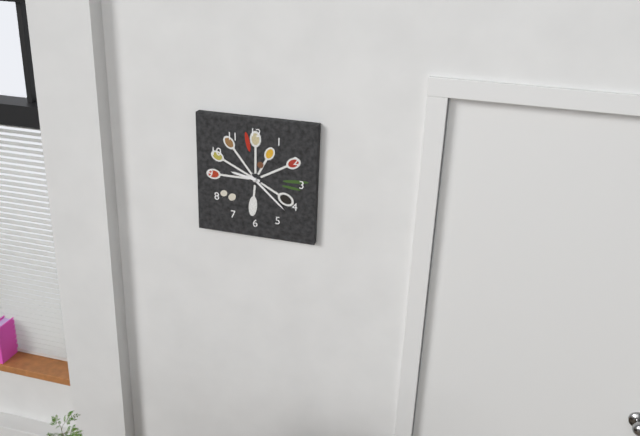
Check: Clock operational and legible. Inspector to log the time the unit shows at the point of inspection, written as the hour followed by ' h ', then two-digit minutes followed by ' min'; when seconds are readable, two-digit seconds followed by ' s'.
9 h 22 min
